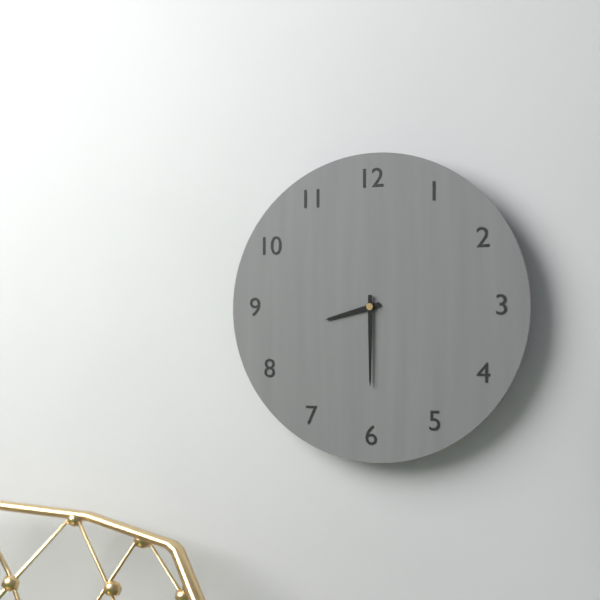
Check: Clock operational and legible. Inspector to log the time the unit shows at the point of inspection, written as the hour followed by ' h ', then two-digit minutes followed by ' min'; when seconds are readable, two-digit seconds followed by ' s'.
8 h 30 min
